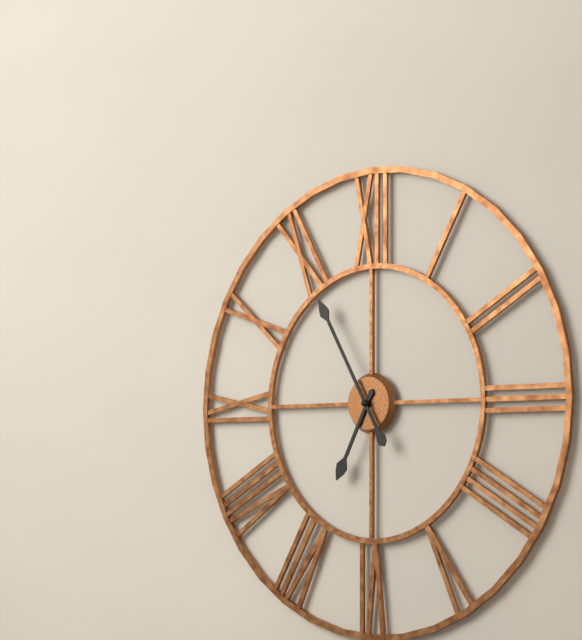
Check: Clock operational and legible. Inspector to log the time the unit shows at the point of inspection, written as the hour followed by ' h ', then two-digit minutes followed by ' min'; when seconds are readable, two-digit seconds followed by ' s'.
6 h 55 min
